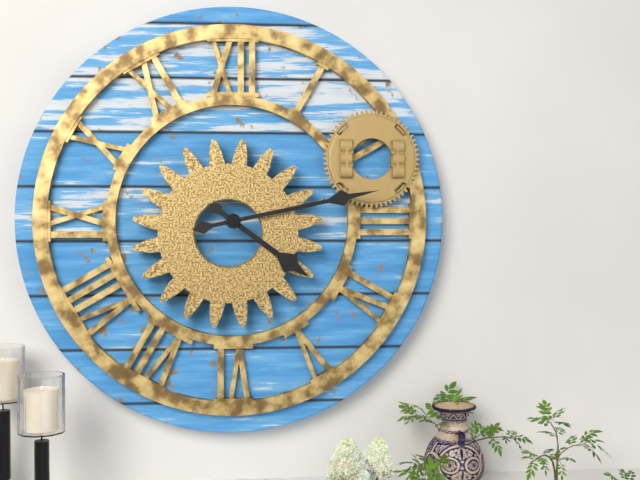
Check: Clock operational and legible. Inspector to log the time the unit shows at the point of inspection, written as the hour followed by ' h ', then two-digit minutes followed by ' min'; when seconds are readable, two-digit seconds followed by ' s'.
4 h 13 min
